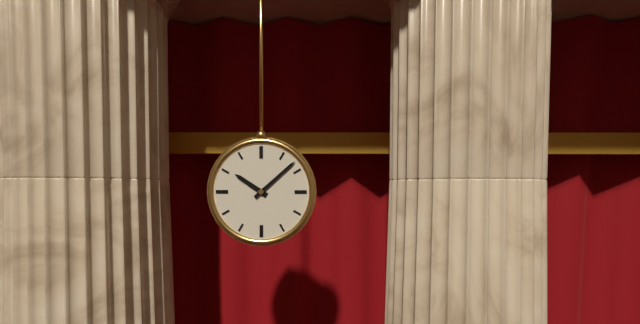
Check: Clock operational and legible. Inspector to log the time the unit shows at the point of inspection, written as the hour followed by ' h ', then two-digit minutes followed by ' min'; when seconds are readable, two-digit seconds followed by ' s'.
10 h 08 min
